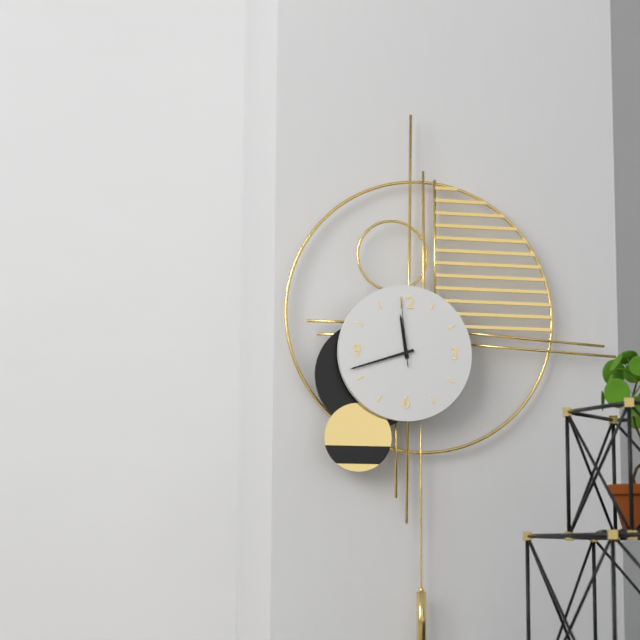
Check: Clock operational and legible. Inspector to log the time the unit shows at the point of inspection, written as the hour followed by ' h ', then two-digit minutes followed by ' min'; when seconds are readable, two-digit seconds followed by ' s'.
11 h 42 min 59 s
